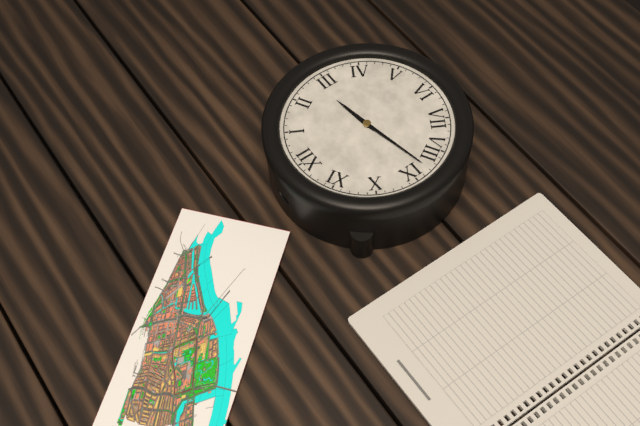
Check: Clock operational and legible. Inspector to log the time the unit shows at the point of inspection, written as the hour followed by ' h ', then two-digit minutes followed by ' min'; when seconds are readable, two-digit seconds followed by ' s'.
2 h 43 min
